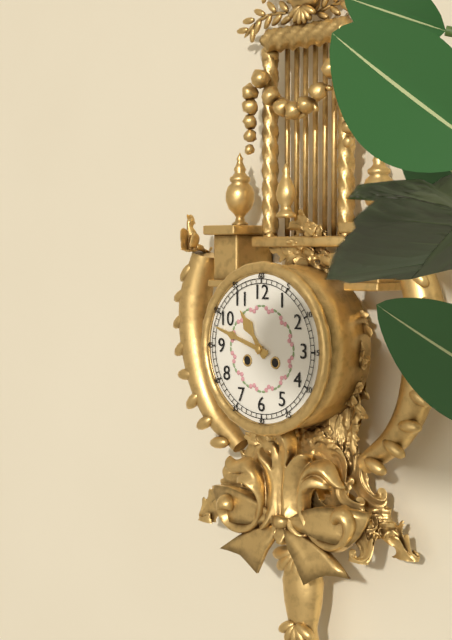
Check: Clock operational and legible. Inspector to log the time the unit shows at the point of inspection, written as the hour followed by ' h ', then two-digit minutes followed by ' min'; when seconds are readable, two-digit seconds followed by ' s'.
10 h 48 min
